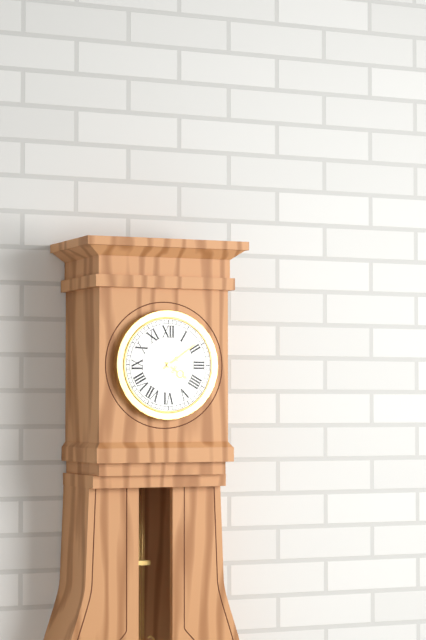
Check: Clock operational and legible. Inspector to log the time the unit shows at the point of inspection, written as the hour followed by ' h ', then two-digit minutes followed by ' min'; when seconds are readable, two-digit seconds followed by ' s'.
4 h 09 min
